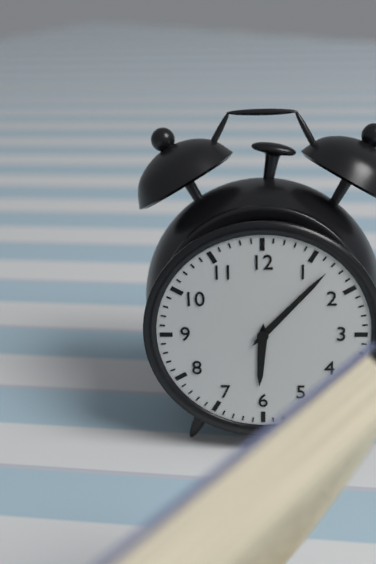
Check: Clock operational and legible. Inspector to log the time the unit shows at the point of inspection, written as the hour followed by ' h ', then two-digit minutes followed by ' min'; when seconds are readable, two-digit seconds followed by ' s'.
6 h 07 min
